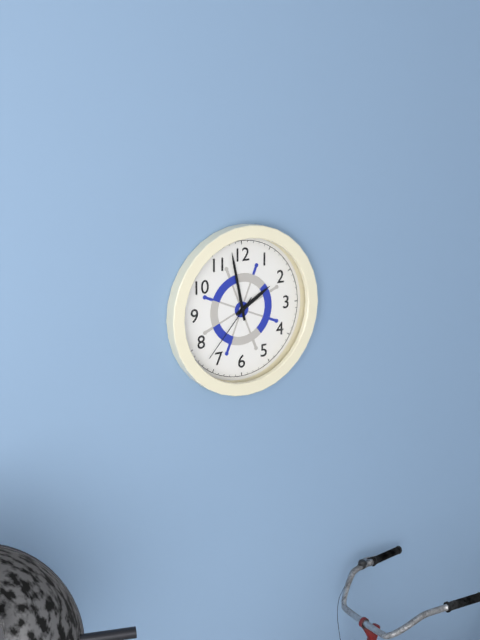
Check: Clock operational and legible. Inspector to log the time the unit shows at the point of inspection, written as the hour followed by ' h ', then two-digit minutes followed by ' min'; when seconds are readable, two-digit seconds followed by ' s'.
1 h 58 min 37 s
